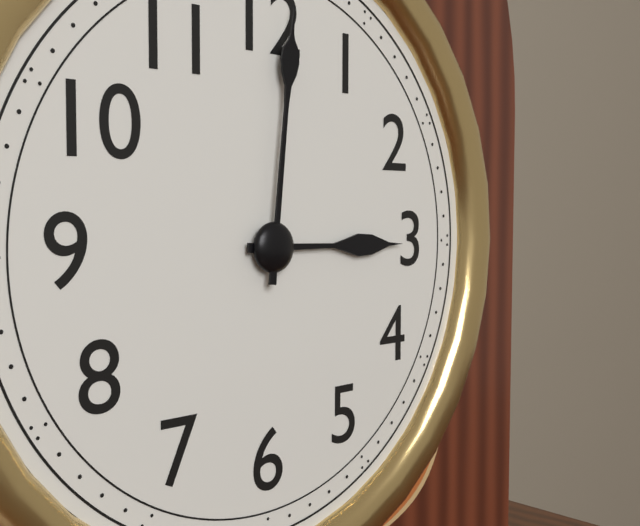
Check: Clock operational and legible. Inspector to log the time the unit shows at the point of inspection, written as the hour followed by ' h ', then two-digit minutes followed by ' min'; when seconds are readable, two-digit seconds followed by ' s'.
3 h 01 min
